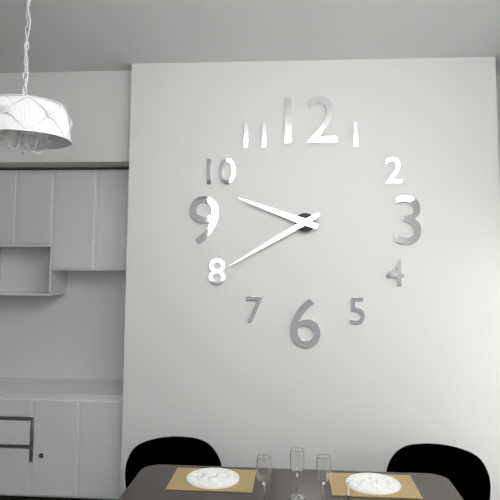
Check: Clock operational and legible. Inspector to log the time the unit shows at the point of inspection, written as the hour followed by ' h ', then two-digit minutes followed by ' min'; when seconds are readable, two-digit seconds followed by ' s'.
9 h 40 min
